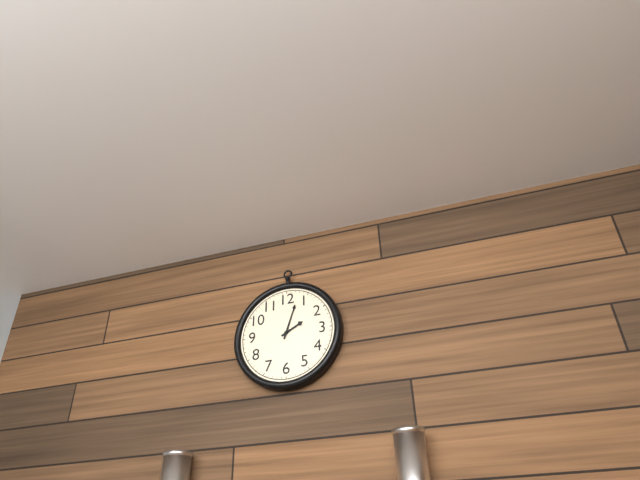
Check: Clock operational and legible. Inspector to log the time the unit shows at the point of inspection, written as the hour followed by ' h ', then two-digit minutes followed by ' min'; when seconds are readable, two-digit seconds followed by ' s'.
2 h 03 min
